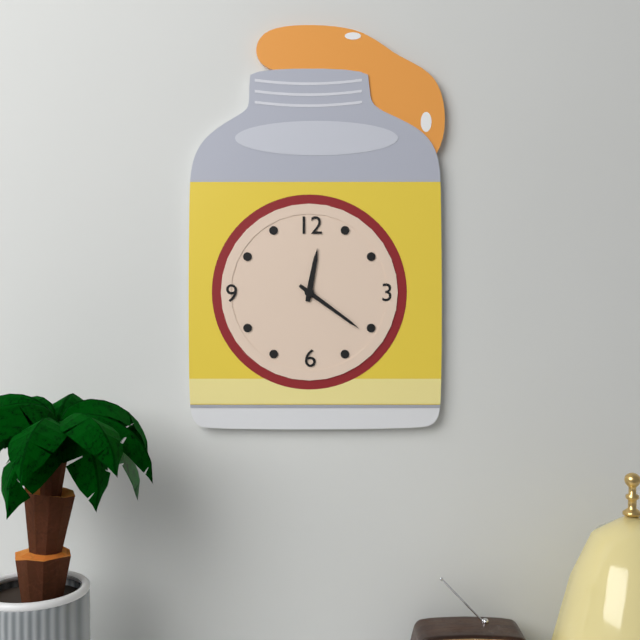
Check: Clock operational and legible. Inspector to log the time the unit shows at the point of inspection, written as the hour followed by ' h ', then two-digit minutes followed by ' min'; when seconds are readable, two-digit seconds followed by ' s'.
12 h 21 min
